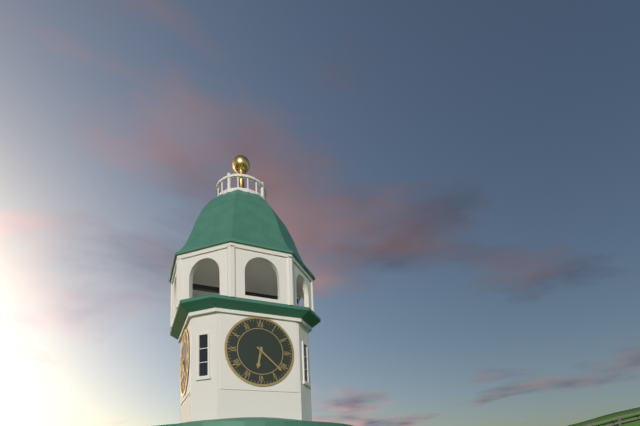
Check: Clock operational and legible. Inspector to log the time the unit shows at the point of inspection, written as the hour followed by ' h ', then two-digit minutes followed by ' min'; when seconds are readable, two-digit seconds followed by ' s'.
6 h 22 min
